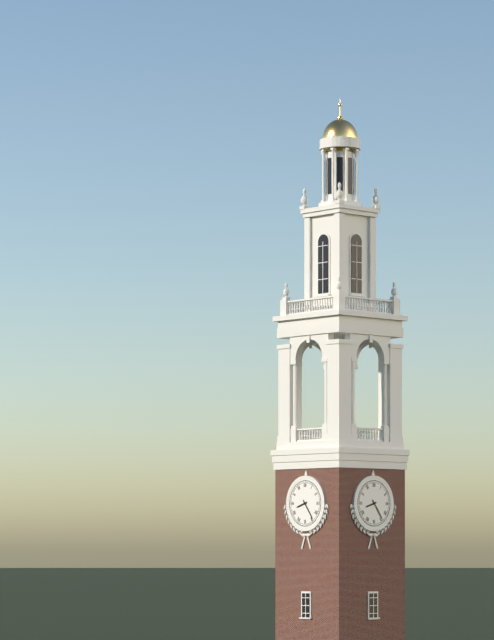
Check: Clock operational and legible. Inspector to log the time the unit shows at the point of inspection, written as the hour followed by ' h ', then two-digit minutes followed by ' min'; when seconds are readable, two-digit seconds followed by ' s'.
8 h 24 min
